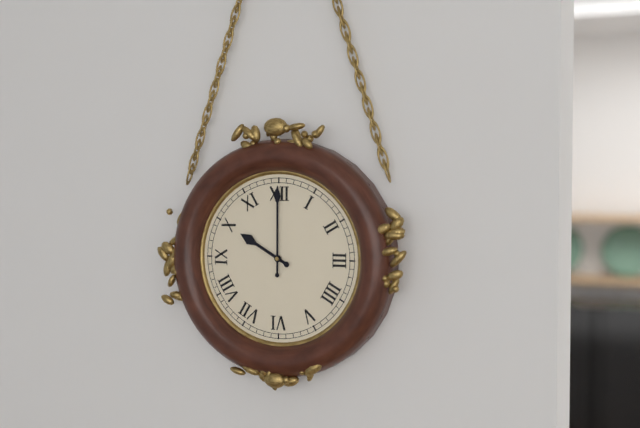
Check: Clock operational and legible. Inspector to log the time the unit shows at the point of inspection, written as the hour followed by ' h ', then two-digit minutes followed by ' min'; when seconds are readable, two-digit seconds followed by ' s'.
10 h 00 min
